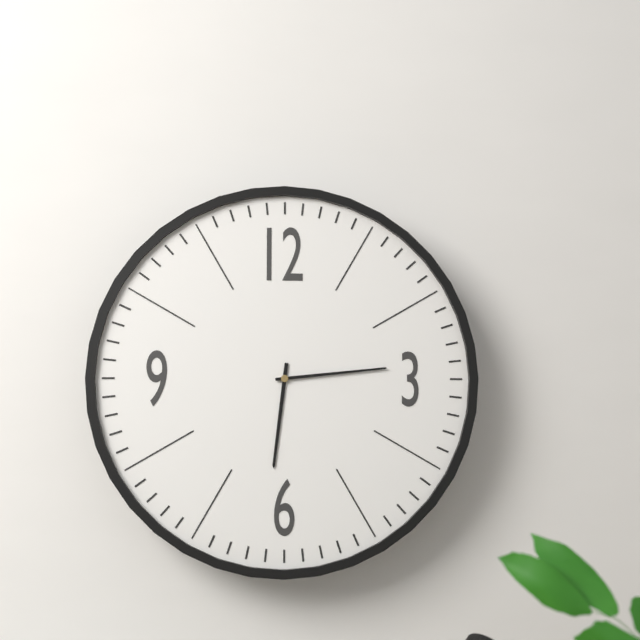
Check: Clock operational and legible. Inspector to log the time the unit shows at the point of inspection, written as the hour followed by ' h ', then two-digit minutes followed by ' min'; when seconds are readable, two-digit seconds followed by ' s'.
6 h 14 min
